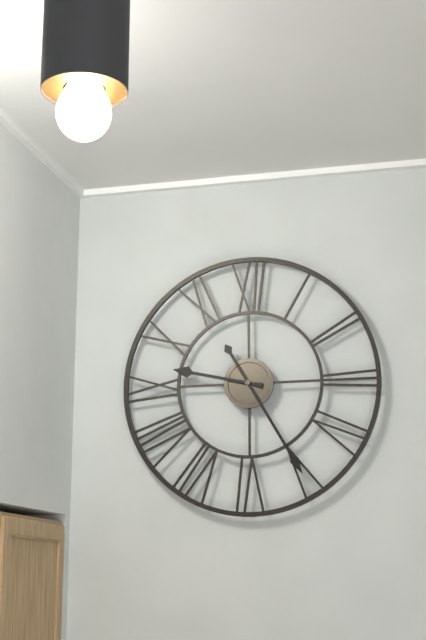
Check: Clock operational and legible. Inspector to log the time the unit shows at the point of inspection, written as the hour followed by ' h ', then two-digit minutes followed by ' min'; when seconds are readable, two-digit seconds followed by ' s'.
9 h 25 min
